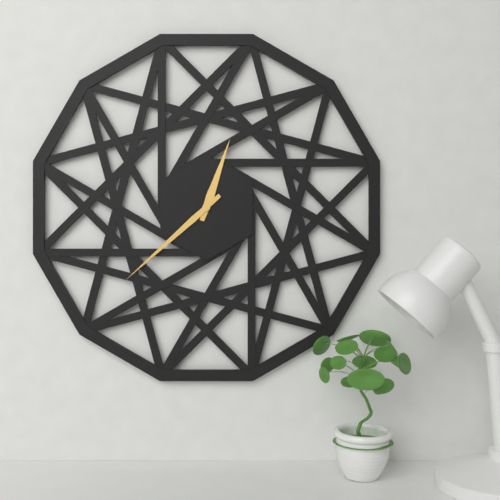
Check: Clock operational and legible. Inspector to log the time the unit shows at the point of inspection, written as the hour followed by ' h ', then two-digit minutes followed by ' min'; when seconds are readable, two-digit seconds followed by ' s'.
12 h 38 min
